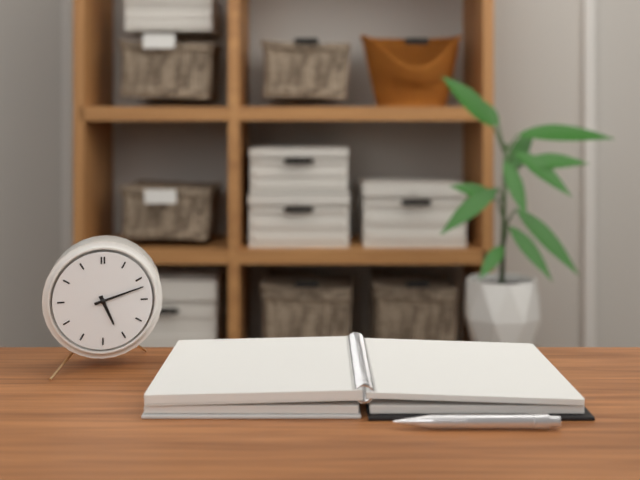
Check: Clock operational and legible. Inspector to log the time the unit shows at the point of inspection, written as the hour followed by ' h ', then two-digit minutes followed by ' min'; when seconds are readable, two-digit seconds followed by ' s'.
5 h 12 min
